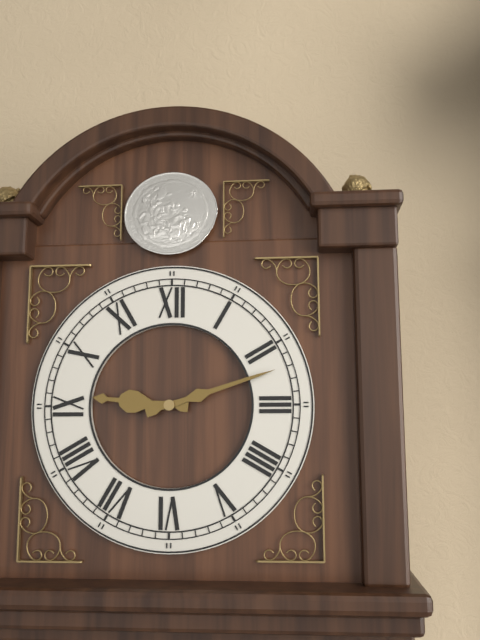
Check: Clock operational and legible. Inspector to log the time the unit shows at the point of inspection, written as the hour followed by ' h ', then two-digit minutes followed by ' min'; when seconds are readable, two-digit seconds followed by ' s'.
9 h 12 min
